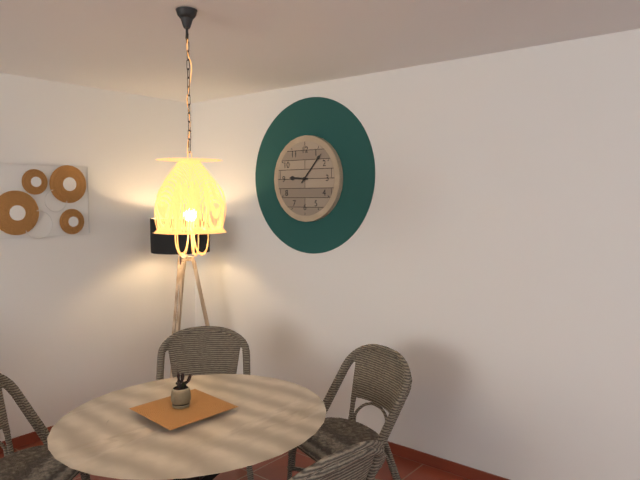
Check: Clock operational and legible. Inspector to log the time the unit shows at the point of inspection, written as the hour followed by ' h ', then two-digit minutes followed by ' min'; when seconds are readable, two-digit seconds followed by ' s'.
9 h 07 min
